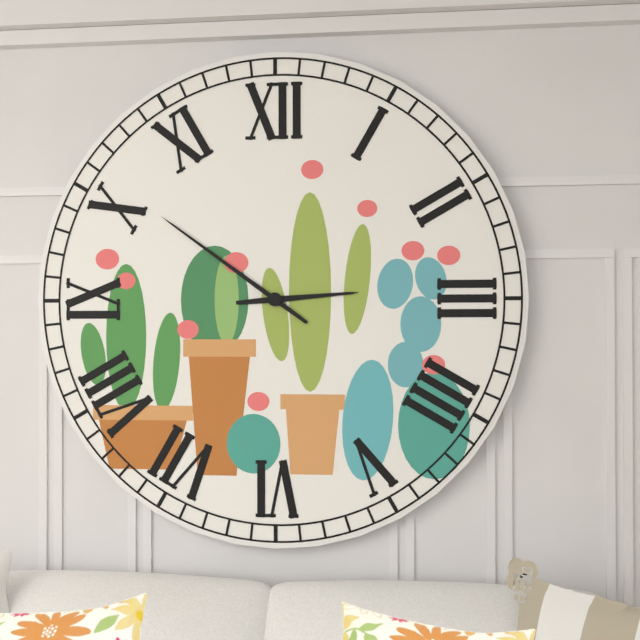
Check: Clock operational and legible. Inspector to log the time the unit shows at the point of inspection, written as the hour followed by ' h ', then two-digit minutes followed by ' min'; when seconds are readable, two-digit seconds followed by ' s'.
2 h 51 min
